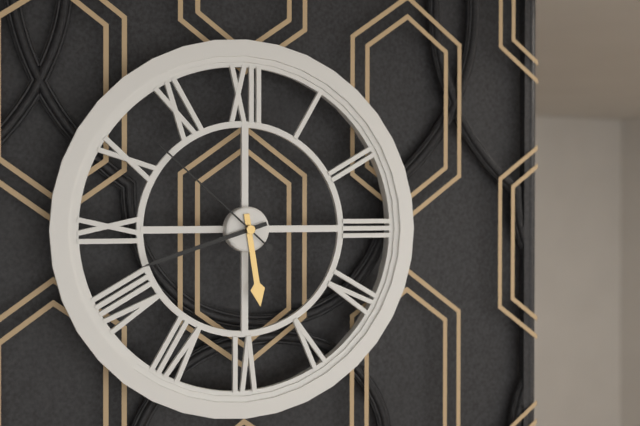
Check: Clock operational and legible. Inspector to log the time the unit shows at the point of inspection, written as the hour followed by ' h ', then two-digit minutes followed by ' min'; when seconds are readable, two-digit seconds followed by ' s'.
5 h 42 min 52 s
